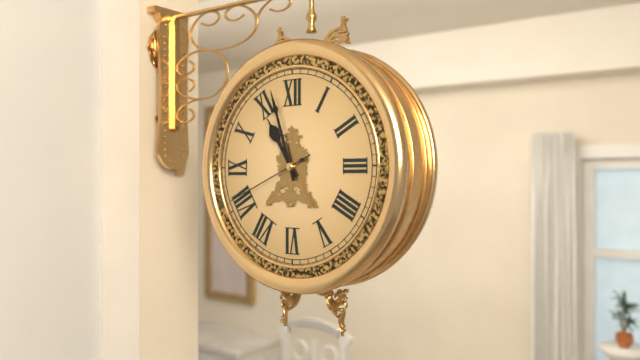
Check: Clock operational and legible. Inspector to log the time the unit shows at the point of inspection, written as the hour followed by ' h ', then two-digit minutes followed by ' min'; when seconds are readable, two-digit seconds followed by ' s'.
10 h 57 min 41 s
